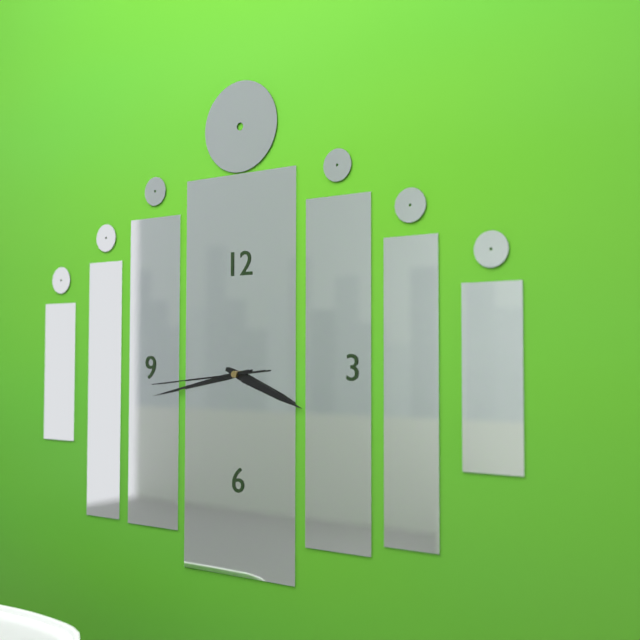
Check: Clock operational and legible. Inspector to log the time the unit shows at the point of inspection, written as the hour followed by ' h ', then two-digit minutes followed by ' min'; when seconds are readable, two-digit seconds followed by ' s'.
3 h 43 min 44 s
